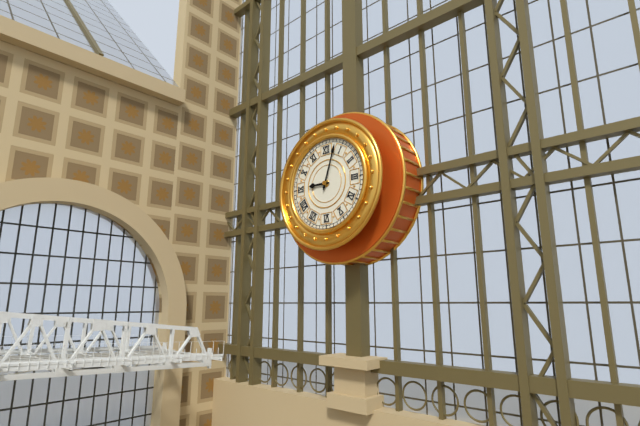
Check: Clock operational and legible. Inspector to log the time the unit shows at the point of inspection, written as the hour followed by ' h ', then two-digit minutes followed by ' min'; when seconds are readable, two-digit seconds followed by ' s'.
9 h 03 min
